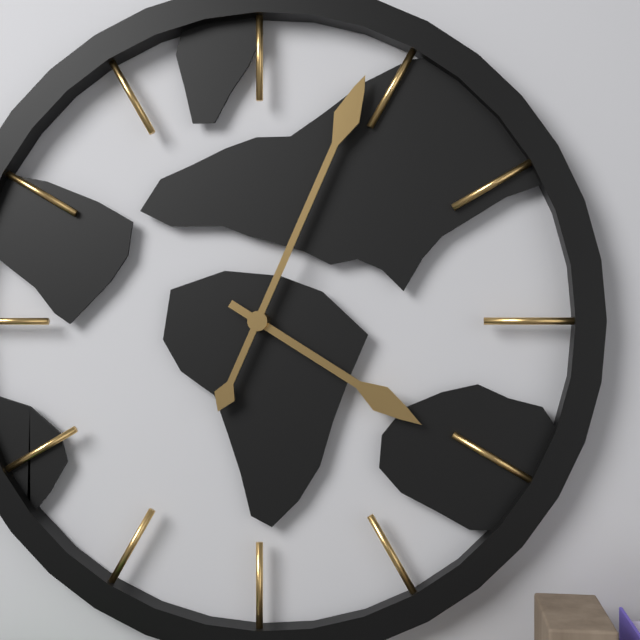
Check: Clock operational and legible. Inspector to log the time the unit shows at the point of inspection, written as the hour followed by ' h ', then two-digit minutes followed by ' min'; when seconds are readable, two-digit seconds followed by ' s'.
4 h 04 min
